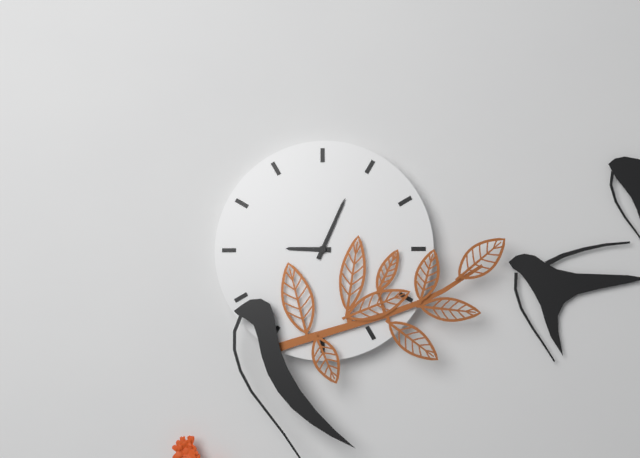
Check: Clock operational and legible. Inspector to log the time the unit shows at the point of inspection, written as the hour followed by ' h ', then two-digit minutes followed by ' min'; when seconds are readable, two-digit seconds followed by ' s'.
9 h 04 min
